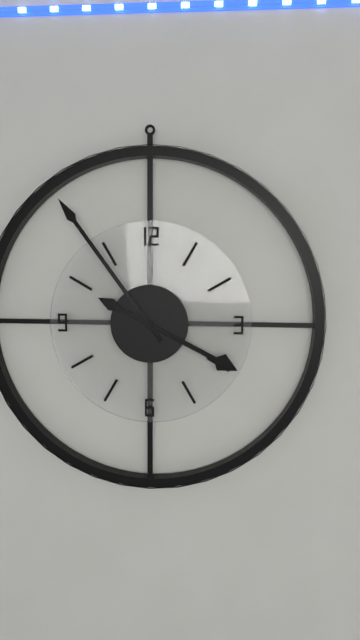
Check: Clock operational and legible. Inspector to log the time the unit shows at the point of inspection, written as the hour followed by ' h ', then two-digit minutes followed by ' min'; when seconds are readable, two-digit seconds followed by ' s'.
3 h 54 min
